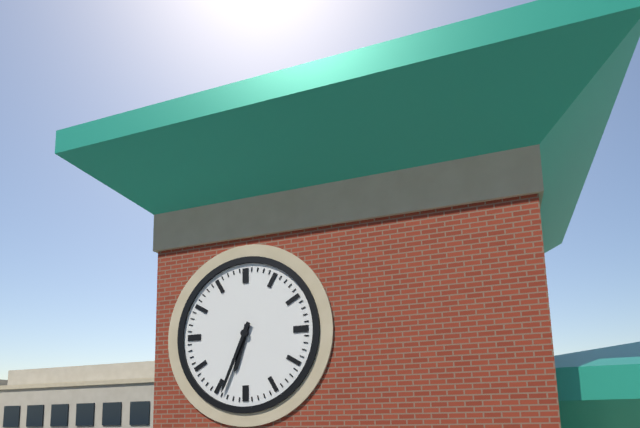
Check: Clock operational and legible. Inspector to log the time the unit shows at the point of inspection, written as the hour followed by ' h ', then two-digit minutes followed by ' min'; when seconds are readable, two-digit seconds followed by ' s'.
6 h 34 min
